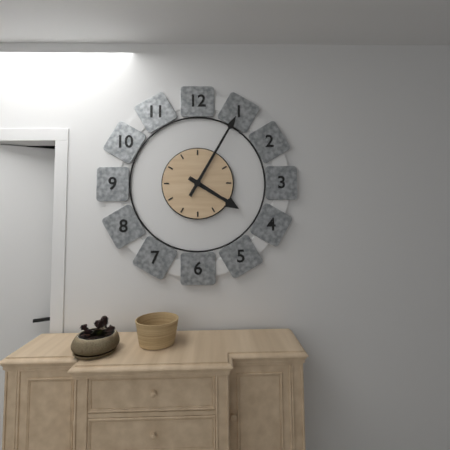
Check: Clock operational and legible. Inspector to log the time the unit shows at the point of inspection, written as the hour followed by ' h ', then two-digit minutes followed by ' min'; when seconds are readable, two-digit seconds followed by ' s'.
4 h 05 min
